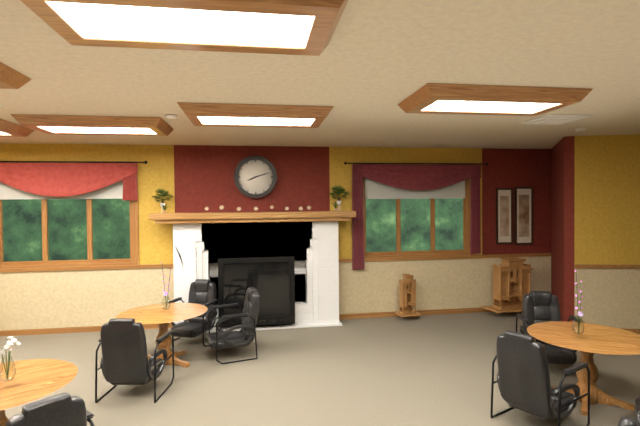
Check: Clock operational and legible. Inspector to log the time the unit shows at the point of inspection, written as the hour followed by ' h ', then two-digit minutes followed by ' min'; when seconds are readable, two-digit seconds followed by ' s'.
8 h 12 min
